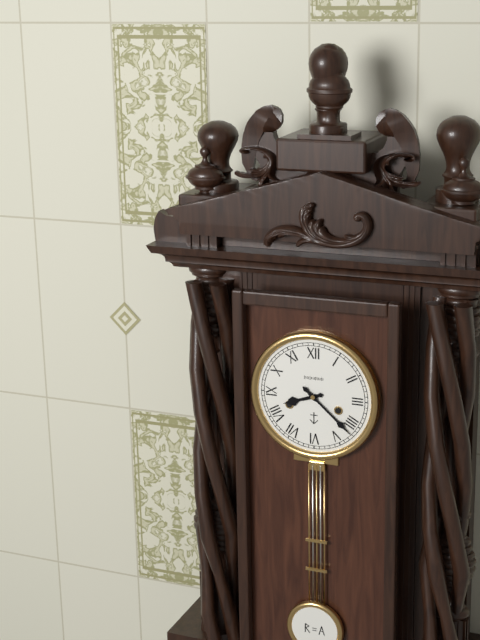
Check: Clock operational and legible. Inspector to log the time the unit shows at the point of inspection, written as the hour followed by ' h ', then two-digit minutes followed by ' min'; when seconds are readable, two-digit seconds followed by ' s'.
8 h 22 min
